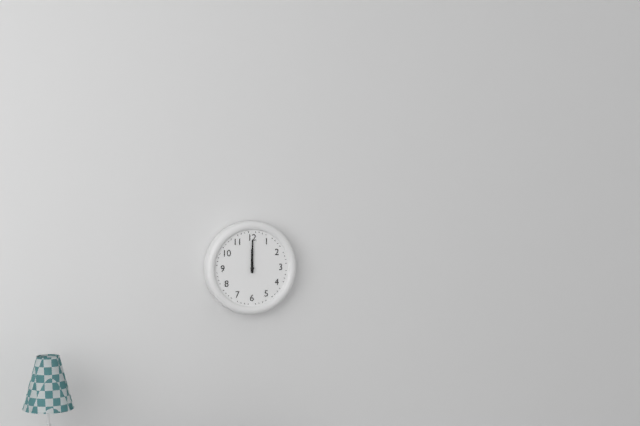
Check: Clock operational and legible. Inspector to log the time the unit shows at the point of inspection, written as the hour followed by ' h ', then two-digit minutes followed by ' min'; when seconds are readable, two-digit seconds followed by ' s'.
12 h 00 min
